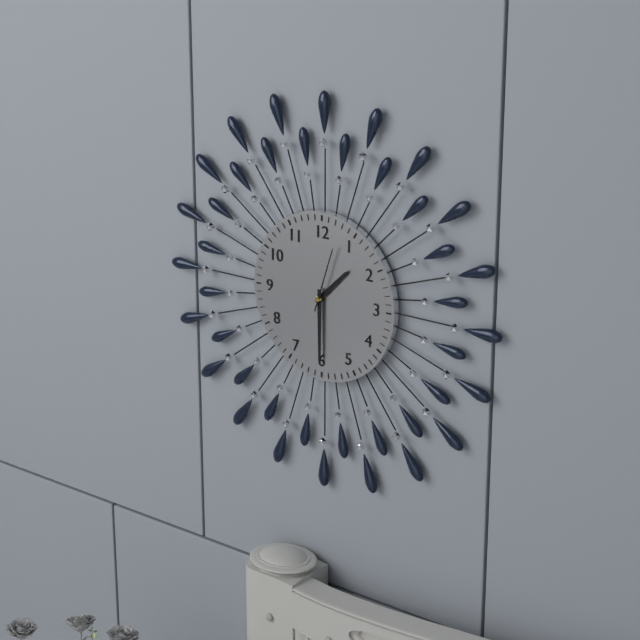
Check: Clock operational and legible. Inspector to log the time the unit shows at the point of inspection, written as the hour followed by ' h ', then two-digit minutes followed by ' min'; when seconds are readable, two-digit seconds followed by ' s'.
1 h 30 min 03 s
